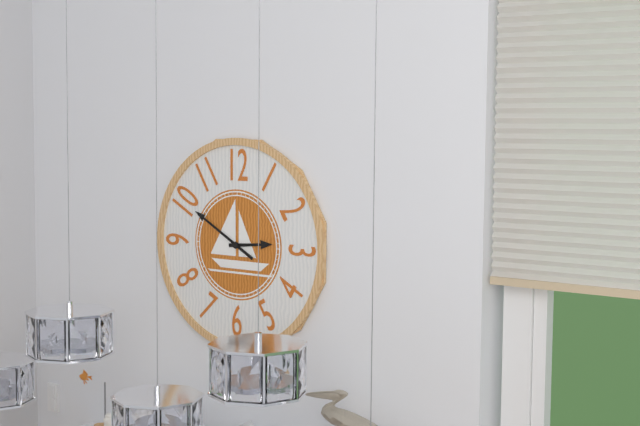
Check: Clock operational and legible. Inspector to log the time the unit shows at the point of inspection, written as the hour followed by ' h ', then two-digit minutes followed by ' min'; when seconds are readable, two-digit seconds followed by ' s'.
2 h 50 min
